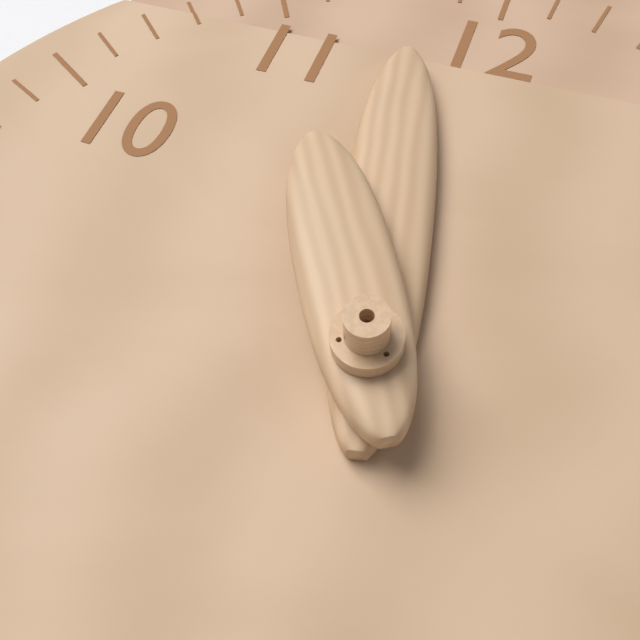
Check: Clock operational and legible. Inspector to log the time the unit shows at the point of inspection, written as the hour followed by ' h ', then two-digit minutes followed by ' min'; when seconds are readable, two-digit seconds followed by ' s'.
10 h 58 min
